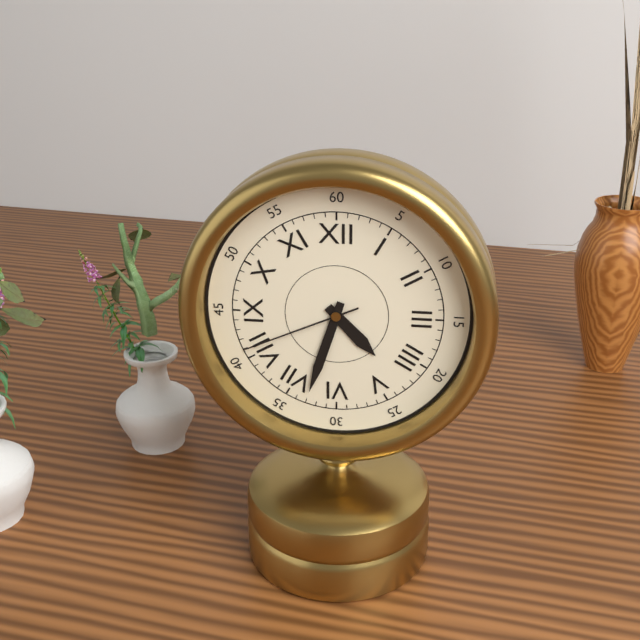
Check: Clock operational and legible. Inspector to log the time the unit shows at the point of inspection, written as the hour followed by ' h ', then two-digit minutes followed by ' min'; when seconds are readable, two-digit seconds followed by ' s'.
4 h 33 min 41 s
